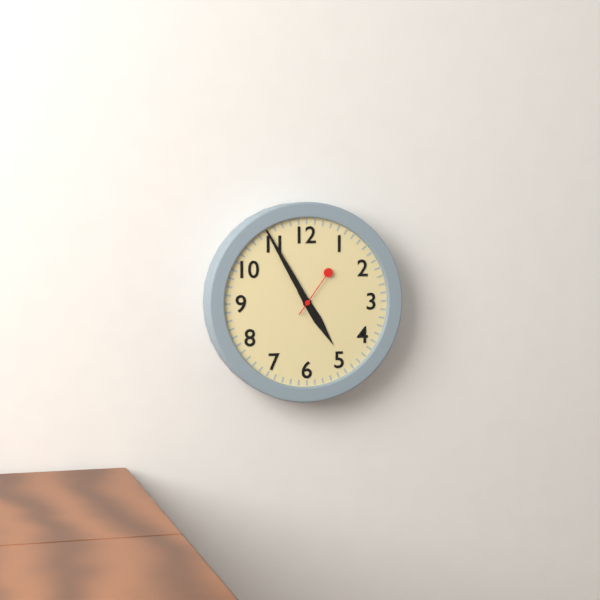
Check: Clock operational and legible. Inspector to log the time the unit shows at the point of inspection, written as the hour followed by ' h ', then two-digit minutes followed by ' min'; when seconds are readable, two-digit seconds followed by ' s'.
4 h 55 min 06 s
